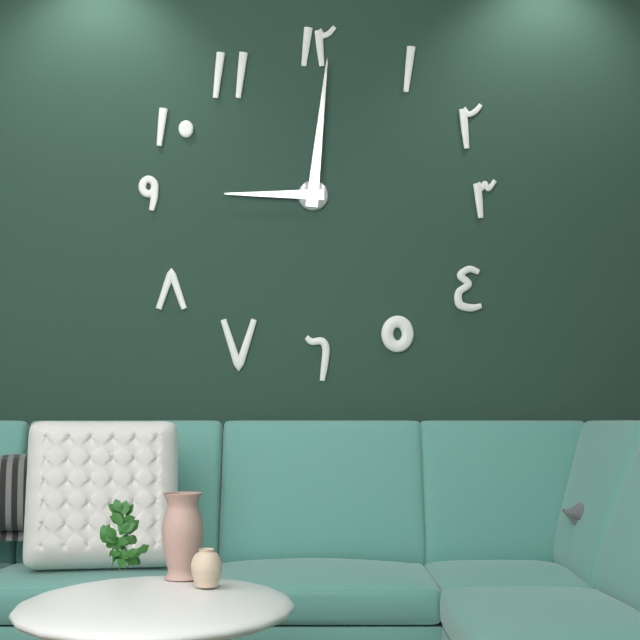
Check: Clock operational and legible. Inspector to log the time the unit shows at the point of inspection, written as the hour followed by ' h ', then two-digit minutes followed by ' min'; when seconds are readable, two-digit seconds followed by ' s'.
9 h 01 min
